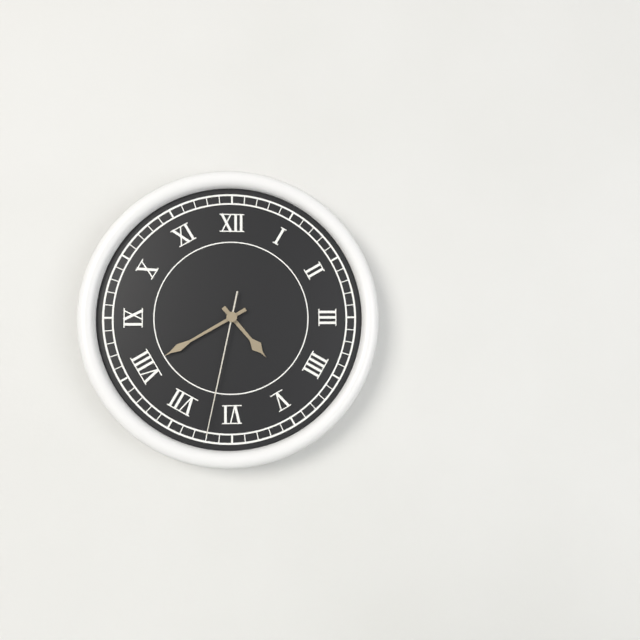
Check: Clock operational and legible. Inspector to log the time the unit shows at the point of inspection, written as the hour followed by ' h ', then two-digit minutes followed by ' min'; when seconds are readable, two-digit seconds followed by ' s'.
4 h 40 min 32 s
